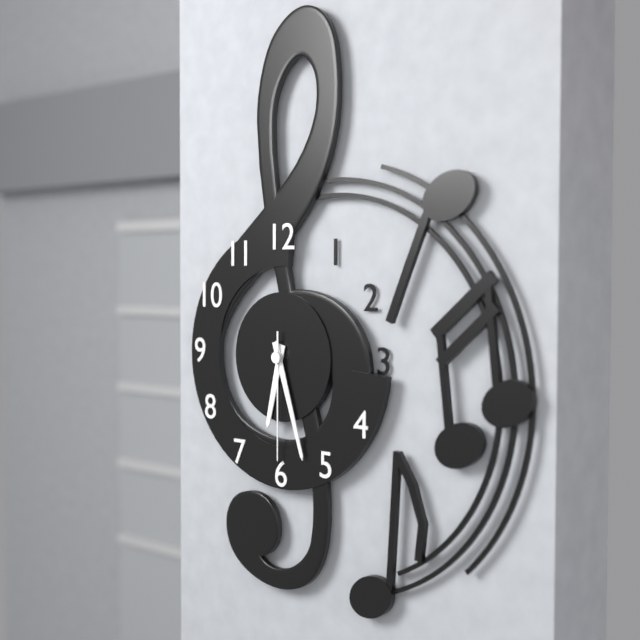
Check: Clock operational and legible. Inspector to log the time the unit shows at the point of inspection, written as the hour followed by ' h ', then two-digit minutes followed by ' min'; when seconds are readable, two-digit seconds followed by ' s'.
6 h 27 min 30 s
